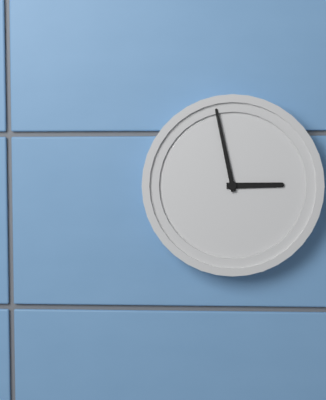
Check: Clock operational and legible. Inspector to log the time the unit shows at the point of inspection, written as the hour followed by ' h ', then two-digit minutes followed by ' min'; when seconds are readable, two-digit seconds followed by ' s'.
2 h 58 min
